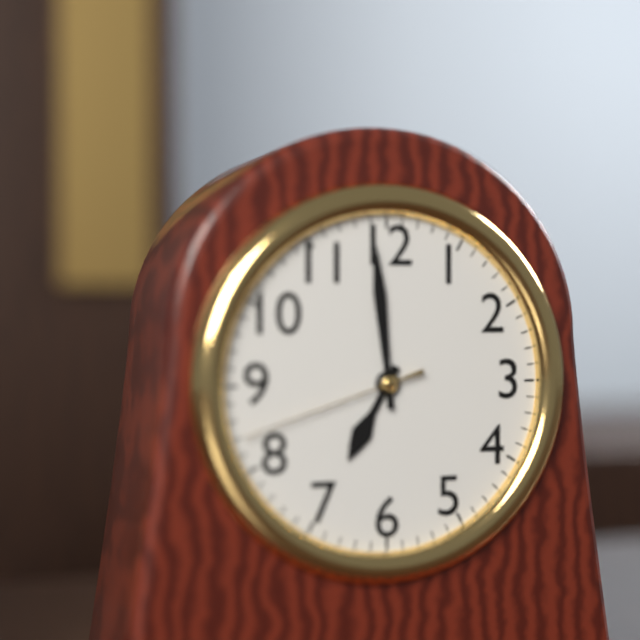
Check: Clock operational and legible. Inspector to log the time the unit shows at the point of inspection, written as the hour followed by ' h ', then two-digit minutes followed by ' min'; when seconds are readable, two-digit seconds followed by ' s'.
6 h 59 min 42 s
